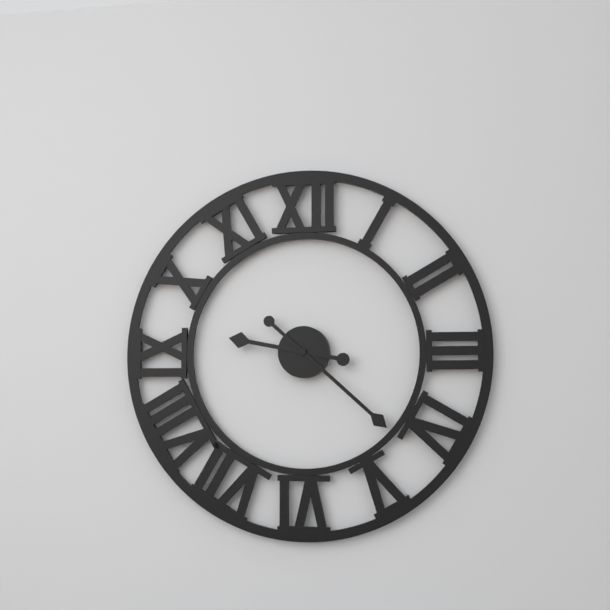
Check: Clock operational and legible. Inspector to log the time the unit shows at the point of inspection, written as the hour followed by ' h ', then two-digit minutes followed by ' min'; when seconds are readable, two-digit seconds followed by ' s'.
9 h 22 min
